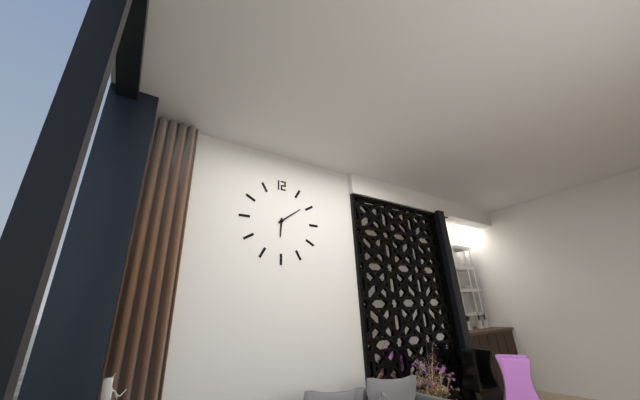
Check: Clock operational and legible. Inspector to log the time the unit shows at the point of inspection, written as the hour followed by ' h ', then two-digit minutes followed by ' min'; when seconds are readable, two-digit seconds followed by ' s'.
6 h 09 min
